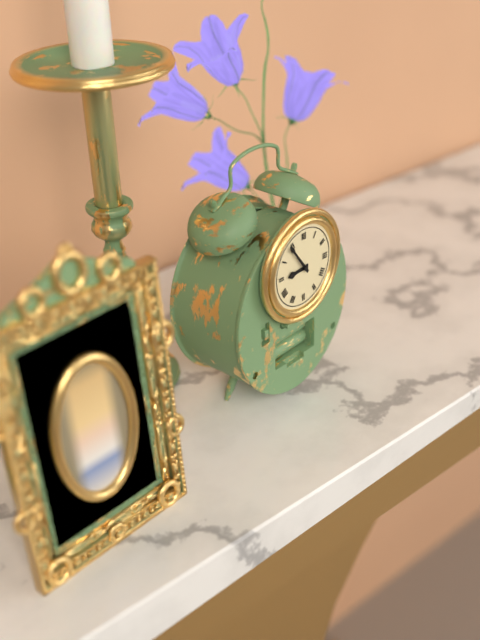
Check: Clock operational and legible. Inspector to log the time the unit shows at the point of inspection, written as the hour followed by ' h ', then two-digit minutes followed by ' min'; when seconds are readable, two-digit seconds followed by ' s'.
8 h 54 min
